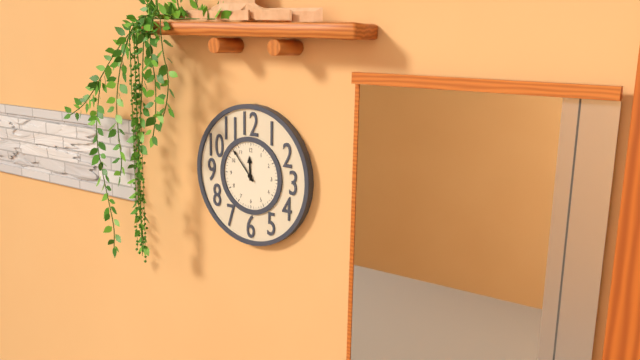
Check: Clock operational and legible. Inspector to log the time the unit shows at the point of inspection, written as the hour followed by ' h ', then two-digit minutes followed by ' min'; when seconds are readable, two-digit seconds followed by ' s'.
11 h 53 min
